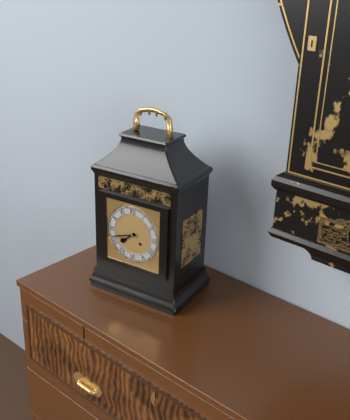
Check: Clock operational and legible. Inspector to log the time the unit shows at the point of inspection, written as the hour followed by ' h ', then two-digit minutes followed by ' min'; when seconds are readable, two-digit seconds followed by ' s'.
7 h 42 min
